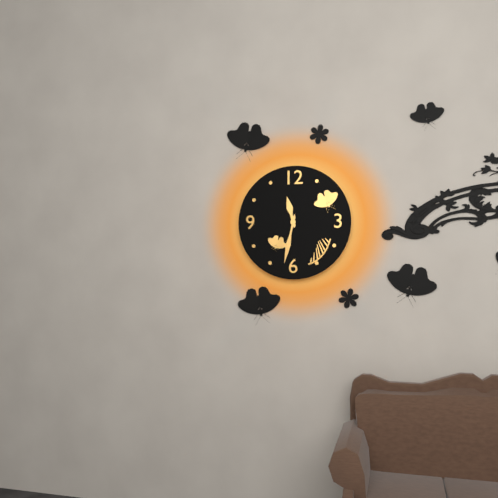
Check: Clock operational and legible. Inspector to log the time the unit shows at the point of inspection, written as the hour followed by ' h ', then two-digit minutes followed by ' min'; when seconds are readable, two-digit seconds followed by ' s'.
11 h 32 min
